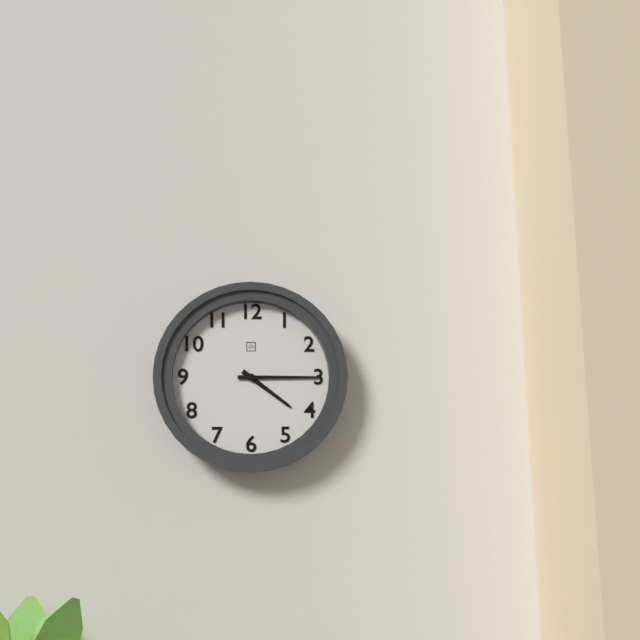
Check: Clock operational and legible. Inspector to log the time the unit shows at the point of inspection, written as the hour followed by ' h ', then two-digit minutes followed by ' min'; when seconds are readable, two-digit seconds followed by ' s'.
4 h 15 min
